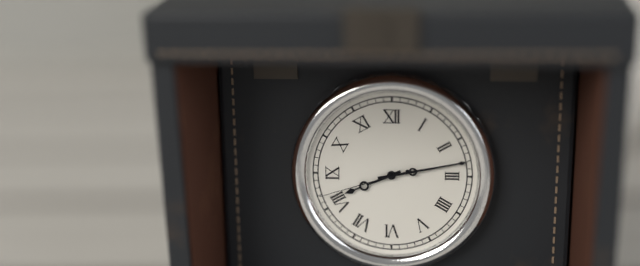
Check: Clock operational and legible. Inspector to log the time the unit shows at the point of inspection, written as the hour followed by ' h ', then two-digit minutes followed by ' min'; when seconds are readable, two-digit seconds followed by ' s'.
8 h 13 min 42 s
